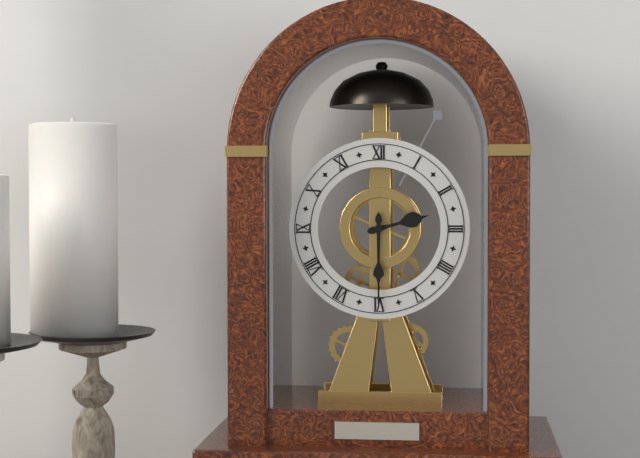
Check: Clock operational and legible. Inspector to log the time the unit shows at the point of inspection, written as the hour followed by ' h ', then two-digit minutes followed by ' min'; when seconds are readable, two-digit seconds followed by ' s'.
2 h 30 min
